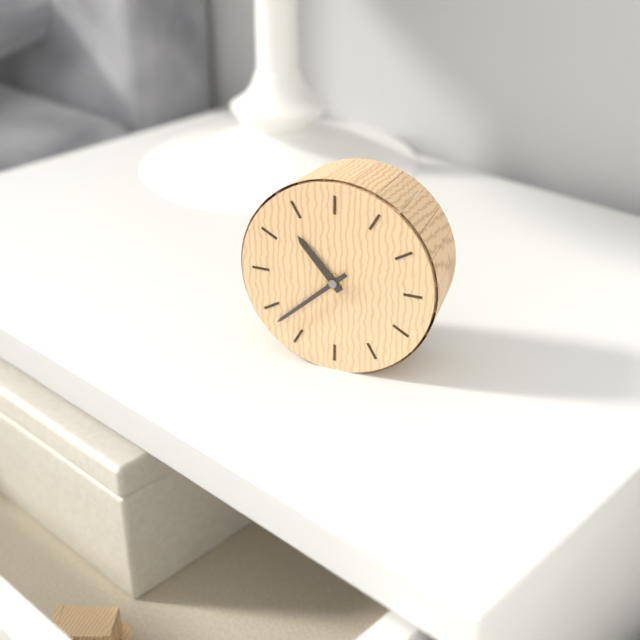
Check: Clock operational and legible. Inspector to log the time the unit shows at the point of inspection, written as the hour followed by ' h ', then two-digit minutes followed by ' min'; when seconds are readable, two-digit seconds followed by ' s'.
10 h 38 min
